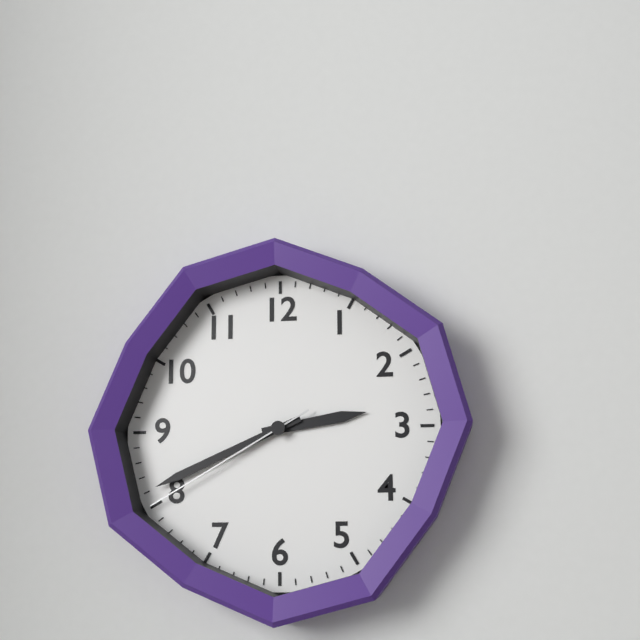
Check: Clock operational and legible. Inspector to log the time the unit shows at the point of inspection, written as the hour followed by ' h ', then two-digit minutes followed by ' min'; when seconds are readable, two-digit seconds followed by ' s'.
2 h 41 min 40 s
